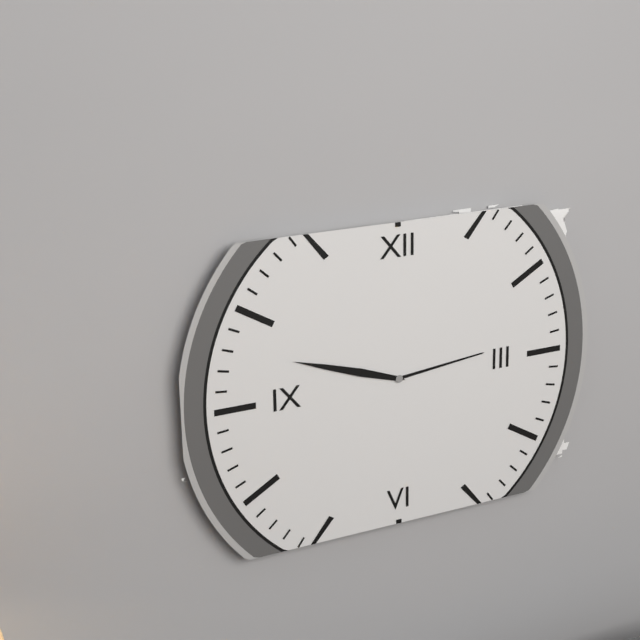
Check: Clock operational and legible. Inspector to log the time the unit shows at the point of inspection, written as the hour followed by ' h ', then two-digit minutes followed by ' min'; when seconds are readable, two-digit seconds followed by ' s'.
2 h 48 min
